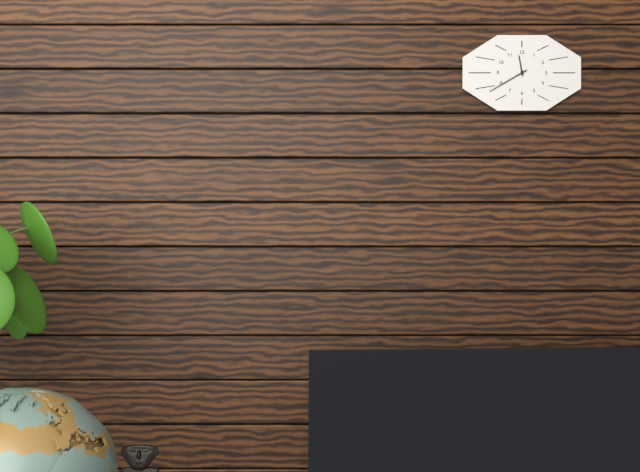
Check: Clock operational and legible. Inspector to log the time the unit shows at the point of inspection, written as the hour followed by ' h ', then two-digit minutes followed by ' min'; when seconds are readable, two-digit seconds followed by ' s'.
11 h 40 min
